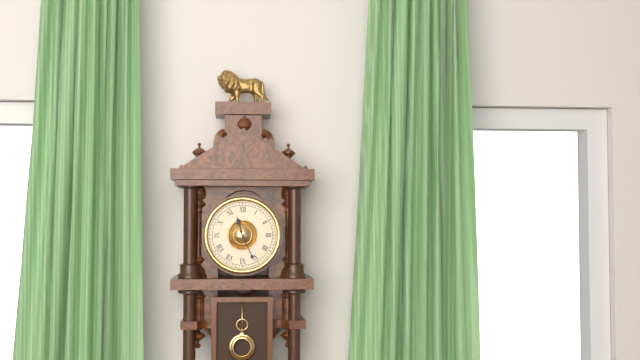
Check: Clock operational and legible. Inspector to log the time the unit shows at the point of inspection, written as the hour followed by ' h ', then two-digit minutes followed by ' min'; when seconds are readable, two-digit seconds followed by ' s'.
11 h 26 min
